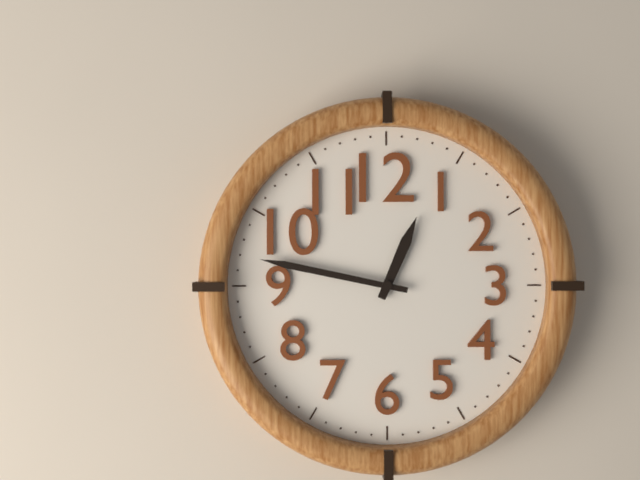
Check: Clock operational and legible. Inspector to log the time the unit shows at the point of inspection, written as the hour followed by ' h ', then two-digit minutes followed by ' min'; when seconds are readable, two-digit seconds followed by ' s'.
12 h 47 min
